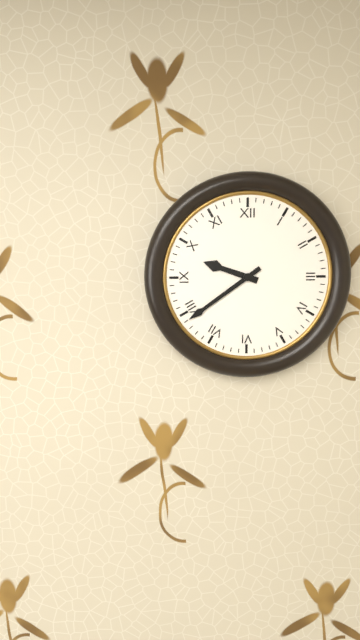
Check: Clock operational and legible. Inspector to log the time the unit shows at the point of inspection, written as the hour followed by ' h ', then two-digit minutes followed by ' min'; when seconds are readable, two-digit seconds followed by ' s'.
9 h 39 min
